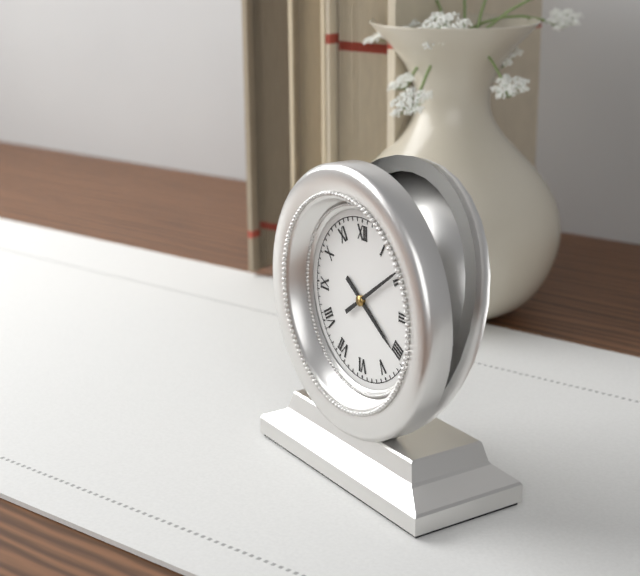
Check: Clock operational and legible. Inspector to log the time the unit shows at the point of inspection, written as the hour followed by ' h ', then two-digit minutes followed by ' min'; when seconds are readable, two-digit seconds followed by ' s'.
4 h 09 min
